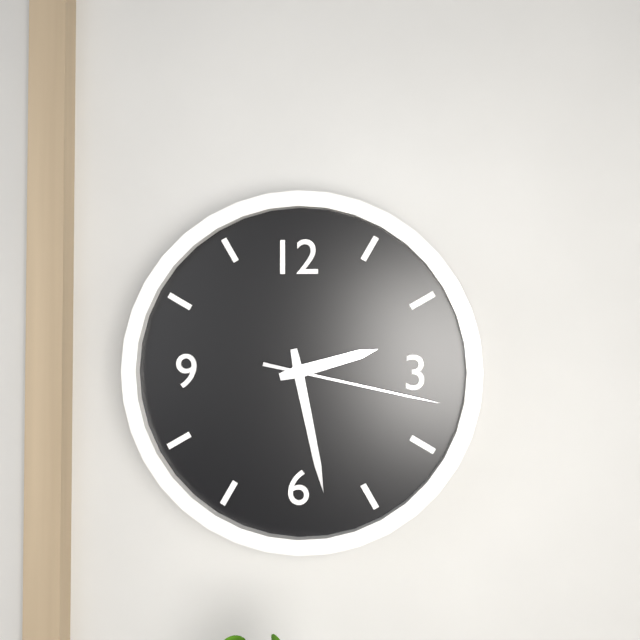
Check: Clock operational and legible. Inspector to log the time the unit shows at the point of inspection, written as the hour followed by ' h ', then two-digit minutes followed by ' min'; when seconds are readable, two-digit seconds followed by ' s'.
2 h 28 min 17 s
